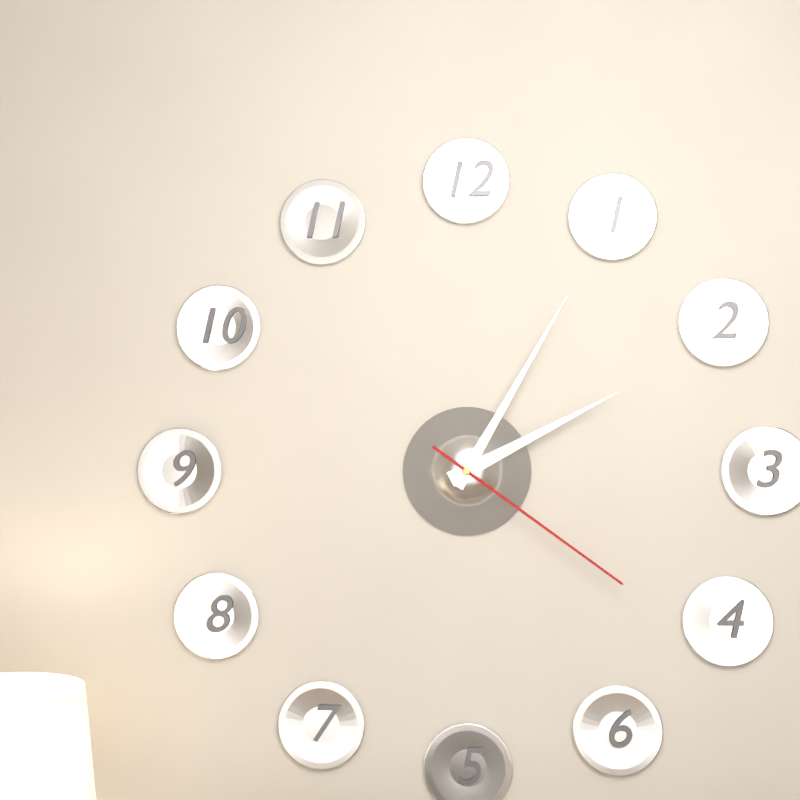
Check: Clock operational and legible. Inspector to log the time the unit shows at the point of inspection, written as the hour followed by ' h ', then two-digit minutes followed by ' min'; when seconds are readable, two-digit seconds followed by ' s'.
2 h 05 min 21 s
